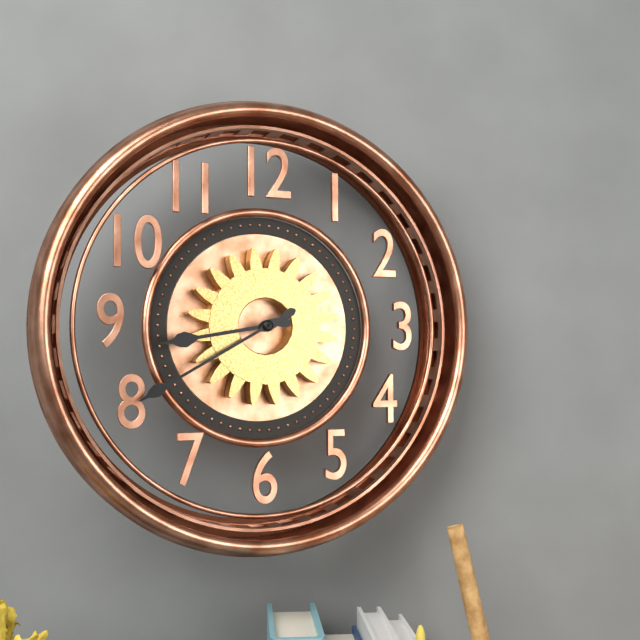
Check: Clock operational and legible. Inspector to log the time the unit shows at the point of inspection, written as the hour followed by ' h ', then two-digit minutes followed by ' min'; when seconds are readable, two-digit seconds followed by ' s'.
8 h 40 min
